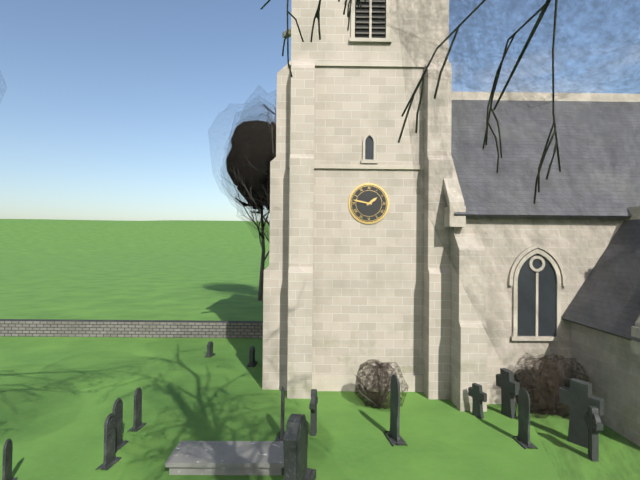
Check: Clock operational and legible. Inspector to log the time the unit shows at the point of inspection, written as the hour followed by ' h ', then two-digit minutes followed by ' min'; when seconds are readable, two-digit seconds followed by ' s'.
1 h 47 min
